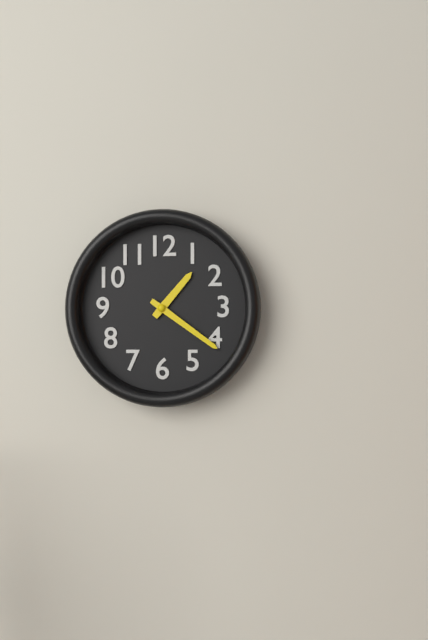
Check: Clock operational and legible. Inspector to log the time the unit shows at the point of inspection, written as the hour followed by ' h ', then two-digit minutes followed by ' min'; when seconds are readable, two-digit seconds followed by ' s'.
1 h 21 min
